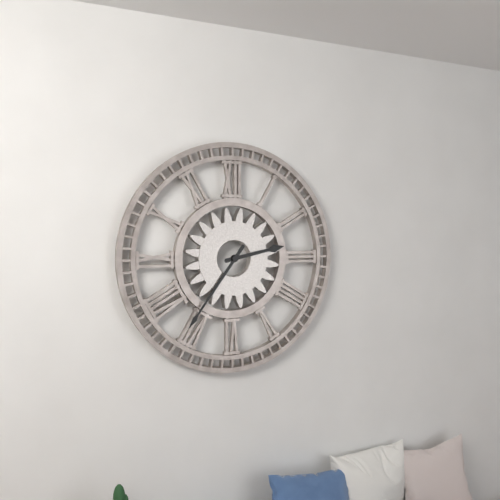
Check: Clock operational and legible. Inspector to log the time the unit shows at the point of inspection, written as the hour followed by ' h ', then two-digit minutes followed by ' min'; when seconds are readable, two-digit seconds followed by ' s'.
2 h 36 min
